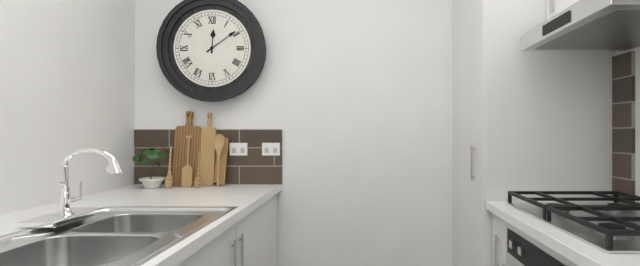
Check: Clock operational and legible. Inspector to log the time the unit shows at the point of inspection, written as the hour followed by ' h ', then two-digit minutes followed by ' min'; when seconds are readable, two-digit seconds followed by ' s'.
12 h 09 min
